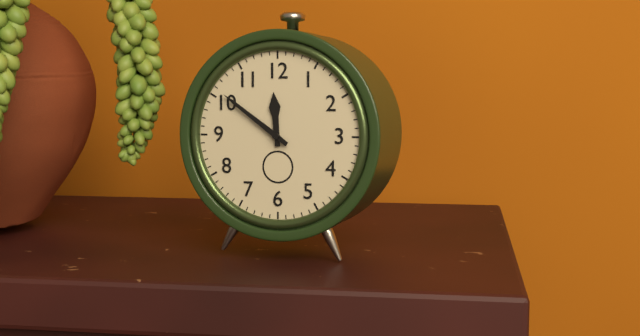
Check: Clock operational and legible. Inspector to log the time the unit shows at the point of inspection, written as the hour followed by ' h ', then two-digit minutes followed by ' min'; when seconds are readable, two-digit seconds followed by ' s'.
11 h 51 min
